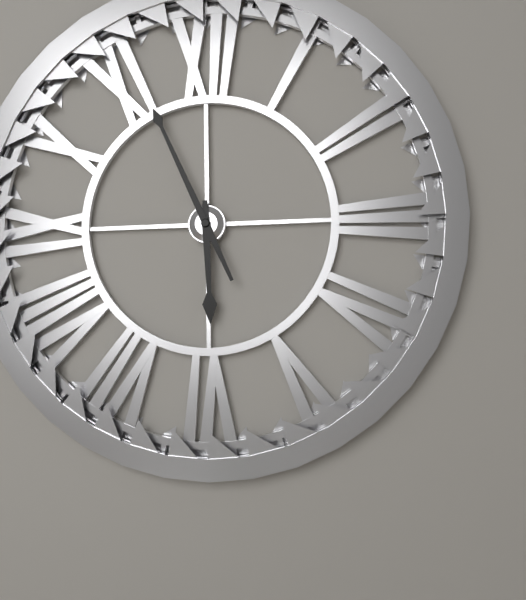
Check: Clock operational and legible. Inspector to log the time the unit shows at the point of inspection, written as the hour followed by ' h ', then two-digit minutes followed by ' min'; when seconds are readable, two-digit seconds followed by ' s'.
5 h 56 min
